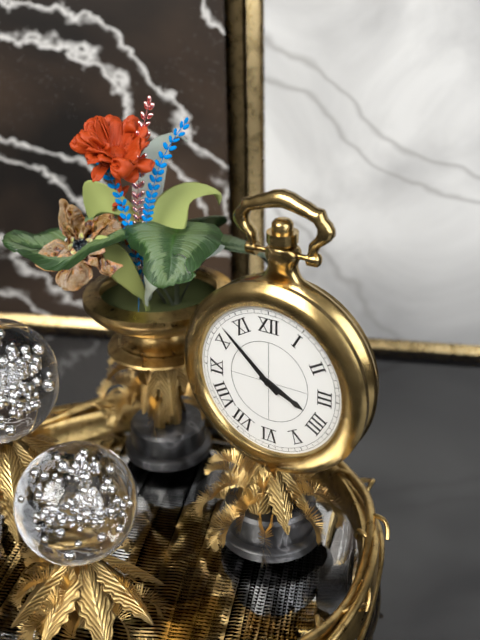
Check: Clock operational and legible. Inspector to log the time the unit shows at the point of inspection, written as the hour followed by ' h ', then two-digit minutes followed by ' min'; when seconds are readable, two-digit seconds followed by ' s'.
3 h 52 min
